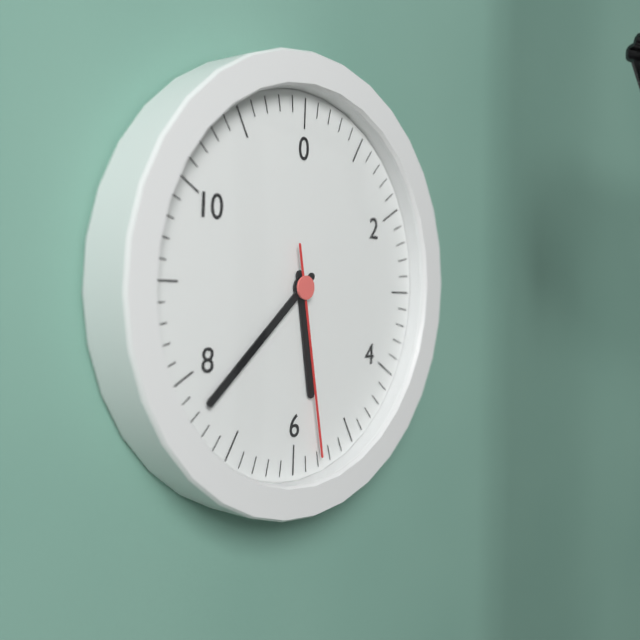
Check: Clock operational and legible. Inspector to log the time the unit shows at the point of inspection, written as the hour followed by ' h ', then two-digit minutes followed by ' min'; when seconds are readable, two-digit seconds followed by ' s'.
5 h 38 min 28 s
